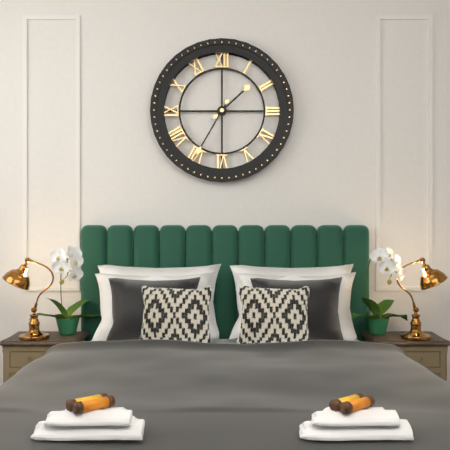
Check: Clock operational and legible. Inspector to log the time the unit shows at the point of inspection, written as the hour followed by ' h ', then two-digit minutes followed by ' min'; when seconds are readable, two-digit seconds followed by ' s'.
1 h 35 min
